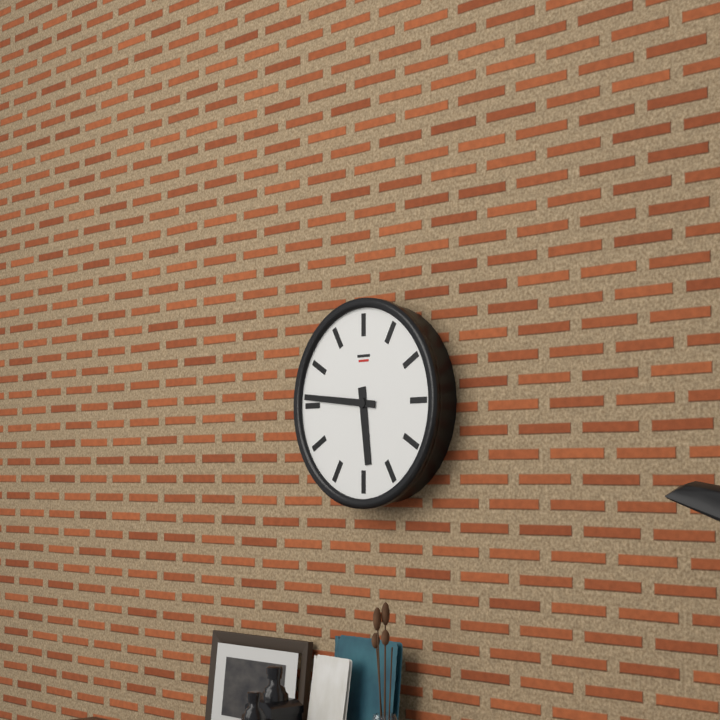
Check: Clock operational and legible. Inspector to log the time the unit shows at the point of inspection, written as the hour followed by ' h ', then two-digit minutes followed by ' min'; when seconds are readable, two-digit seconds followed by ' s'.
5 h 46 min
